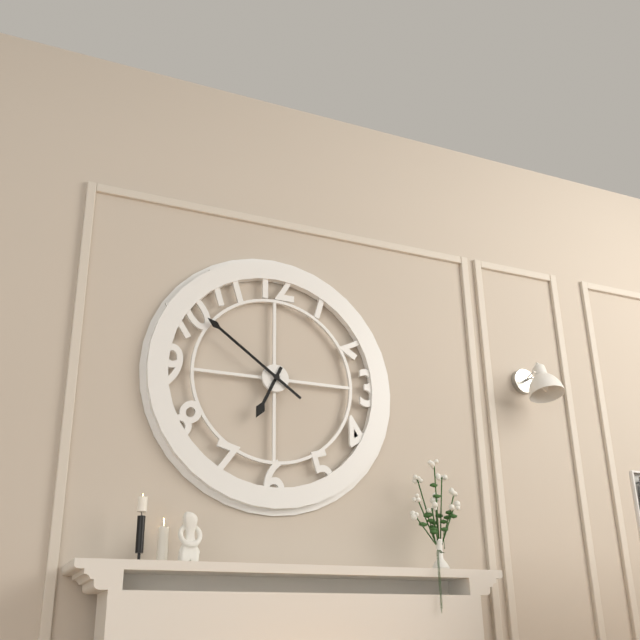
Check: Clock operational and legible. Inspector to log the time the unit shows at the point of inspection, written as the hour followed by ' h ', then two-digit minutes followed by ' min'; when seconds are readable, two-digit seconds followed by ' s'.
6 h 51 min
